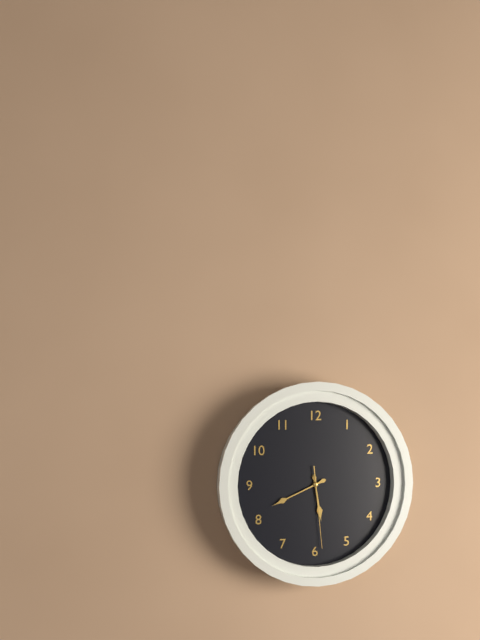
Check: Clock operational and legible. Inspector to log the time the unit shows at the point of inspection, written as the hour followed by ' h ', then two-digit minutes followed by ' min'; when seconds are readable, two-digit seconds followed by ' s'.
5 h 41 min 29 s
